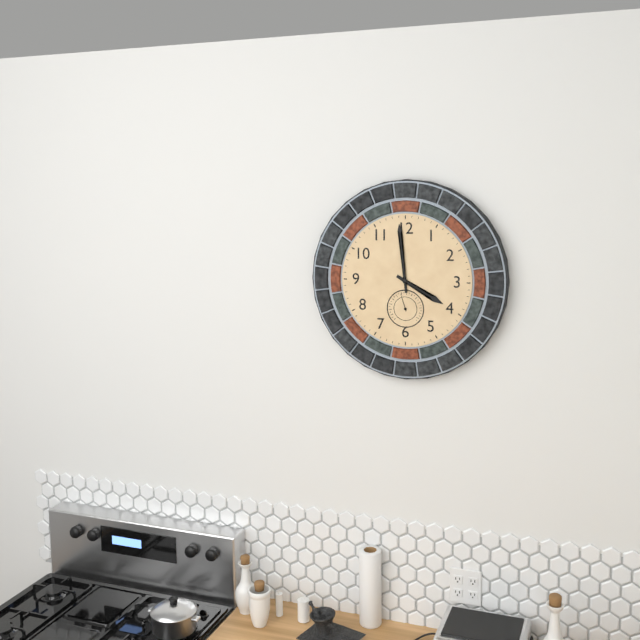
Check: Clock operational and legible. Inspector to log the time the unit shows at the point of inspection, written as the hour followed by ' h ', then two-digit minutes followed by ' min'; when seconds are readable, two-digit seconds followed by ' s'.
3 h 59 min
